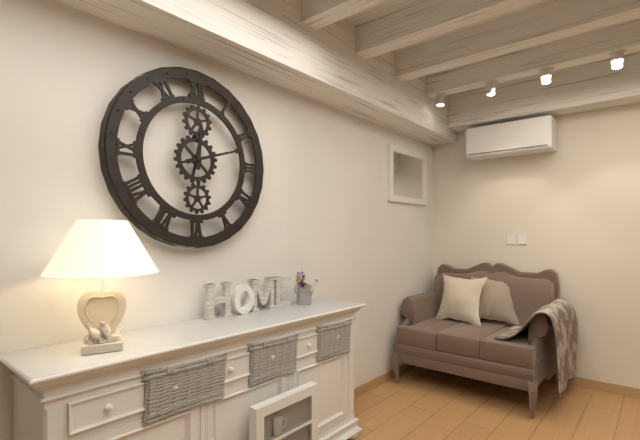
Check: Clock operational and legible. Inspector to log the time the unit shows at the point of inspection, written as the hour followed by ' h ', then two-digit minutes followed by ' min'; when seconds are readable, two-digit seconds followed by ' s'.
12 h 12 min
